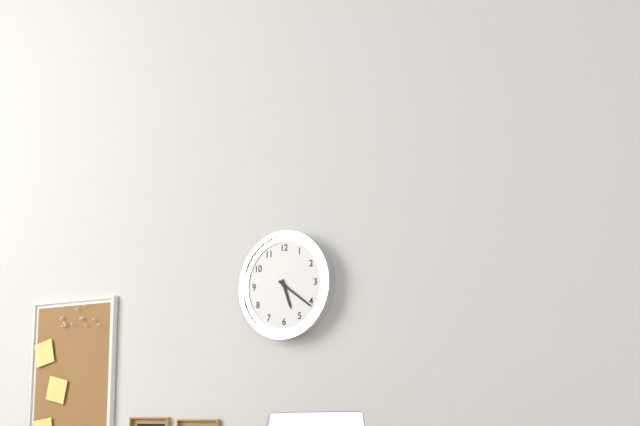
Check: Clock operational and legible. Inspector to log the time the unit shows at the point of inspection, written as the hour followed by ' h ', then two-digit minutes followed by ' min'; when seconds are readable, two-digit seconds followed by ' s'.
5 h 21 min
